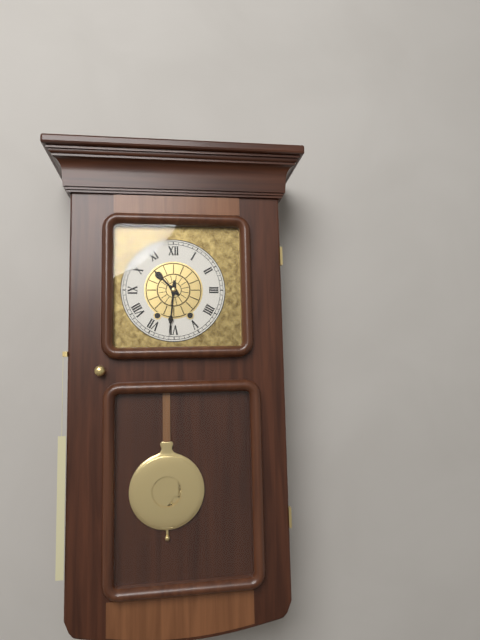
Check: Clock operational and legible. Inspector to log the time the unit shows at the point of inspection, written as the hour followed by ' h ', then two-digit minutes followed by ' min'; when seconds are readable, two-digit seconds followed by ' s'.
10 h 31 min
